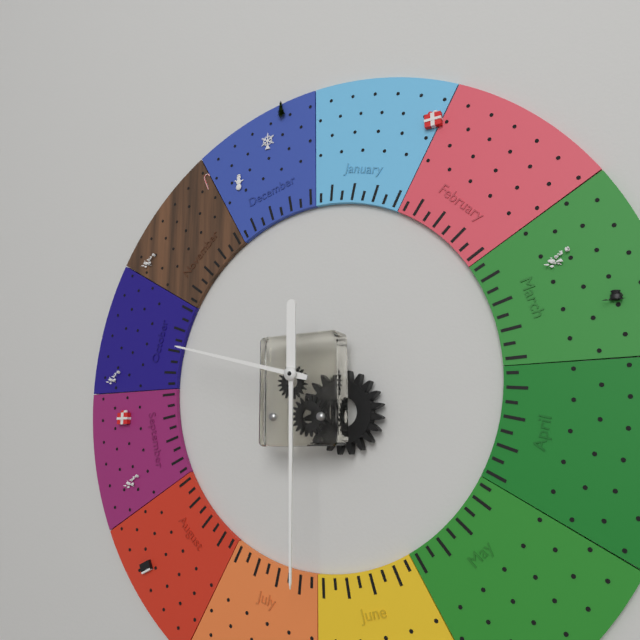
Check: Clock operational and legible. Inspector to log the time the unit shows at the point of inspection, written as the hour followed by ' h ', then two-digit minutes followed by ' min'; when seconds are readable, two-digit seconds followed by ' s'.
9 h 30 min
